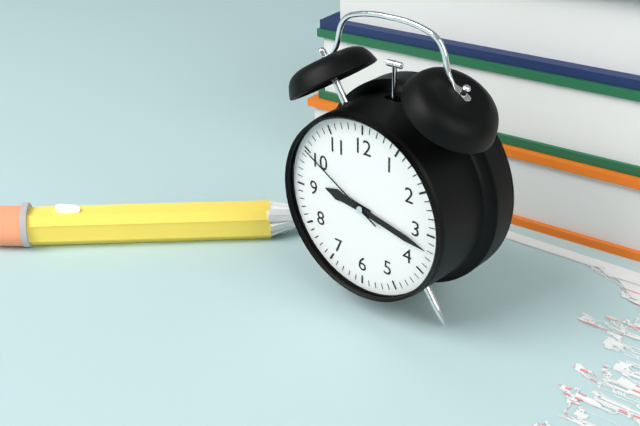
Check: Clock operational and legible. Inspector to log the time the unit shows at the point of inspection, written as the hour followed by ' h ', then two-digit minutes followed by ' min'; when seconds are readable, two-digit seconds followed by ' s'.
9 h 17 min 50 s
